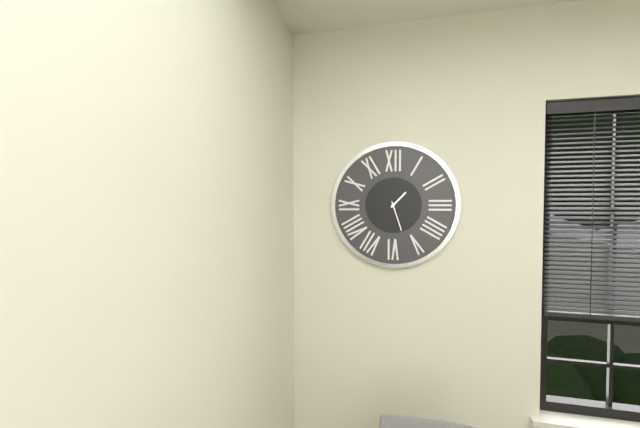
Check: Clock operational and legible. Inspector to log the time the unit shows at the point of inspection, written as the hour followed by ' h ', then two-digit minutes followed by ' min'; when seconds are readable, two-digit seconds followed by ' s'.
1 h 27 min
